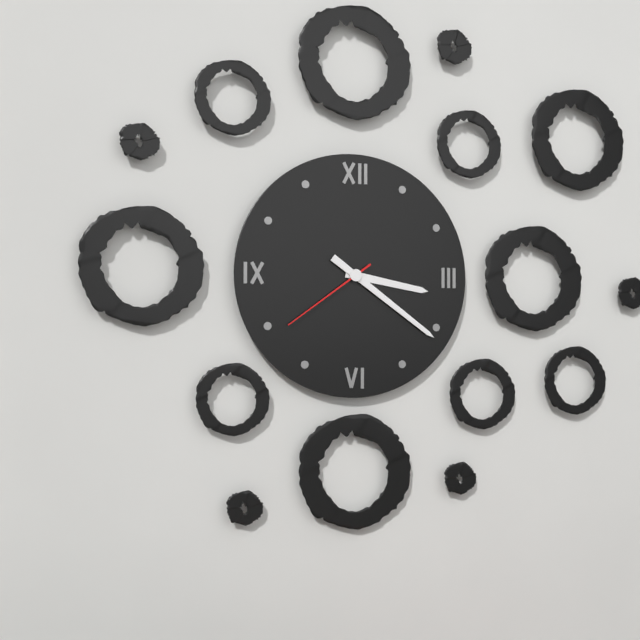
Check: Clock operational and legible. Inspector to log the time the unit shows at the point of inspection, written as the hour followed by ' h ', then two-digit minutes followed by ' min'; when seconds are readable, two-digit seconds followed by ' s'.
3 h 21 min 39 s
